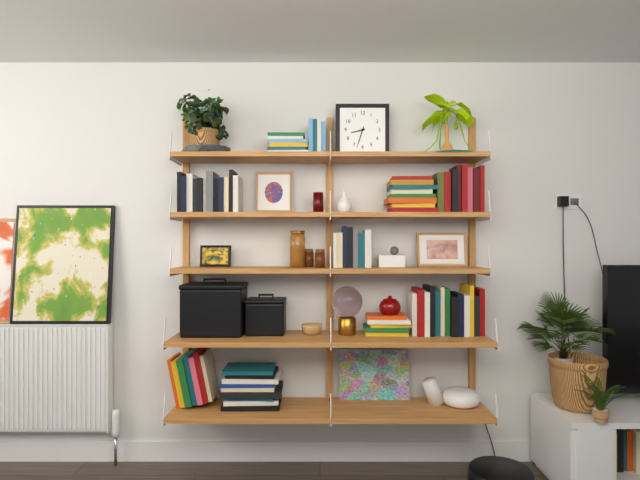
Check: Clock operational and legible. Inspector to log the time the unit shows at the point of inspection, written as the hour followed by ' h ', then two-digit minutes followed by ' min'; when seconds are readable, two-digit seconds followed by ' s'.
8 h 33 min
